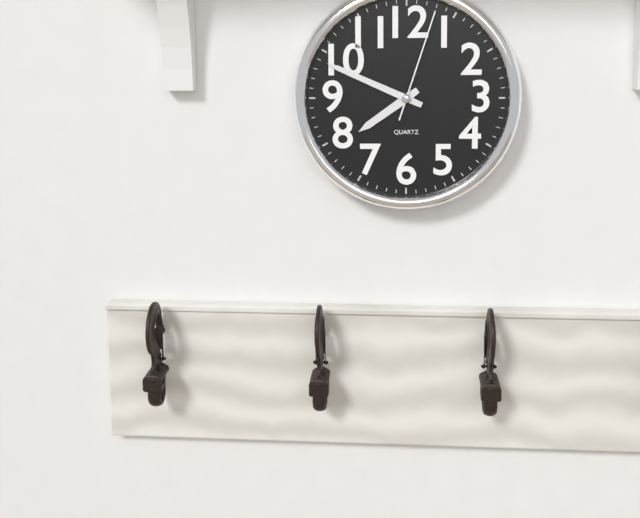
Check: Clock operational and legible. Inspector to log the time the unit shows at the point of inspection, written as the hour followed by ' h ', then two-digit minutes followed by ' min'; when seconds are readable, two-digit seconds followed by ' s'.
7 h 49 min 03 s
